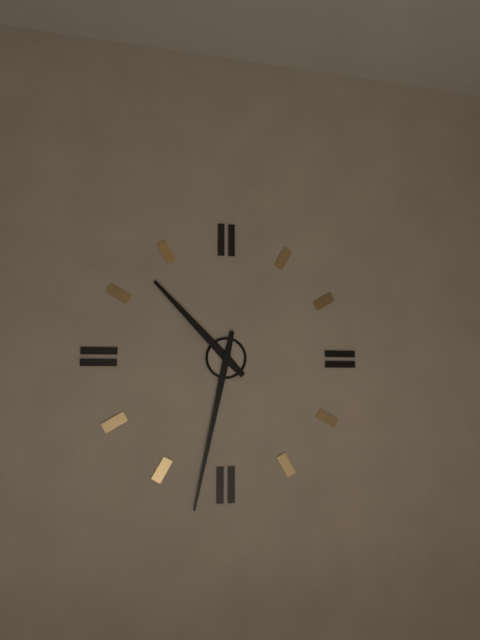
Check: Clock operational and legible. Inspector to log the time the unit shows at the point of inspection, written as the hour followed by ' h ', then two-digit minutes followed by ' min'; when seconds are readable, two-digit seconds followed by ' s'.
10 h 32 min
